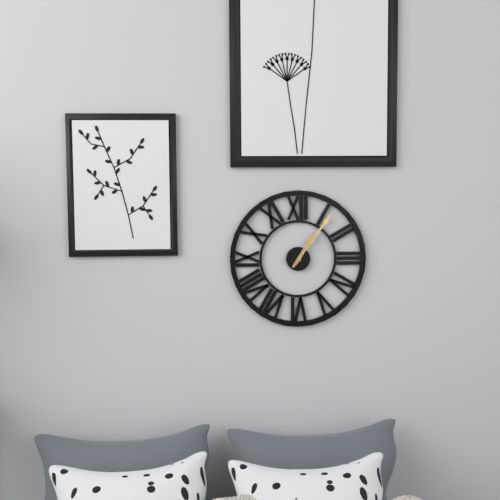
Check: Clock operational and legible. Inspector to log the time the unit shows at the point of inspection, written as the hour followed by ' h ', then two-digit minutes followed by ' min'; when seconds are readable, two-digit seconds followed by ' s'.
1 h 06 min
